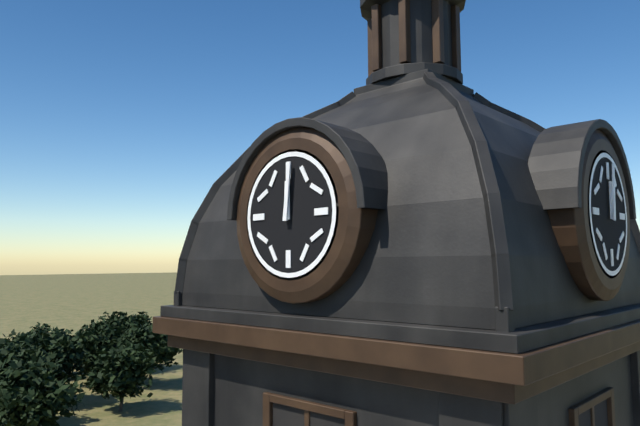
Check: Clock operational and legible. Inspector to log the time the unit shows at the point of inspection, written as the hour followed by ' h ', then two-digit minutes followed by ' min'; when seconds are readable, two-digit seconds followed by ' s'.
12 h 01 min
